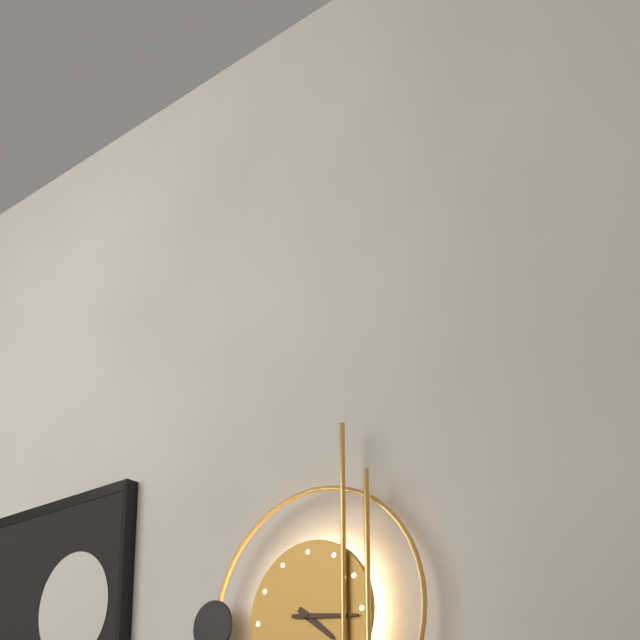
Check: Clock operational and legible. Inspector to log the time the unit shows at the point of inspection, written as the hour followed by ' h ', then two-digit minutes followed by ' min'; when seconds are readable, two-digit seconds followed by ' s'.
4 h 16 min
